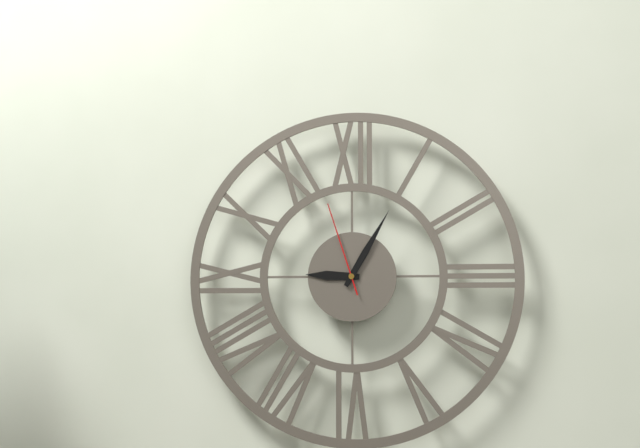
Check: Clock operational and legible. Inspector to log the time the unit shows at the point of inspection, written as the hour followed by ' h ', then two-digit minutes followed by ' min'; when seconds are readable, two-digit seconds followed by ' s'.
9 h 05 min 57 s
